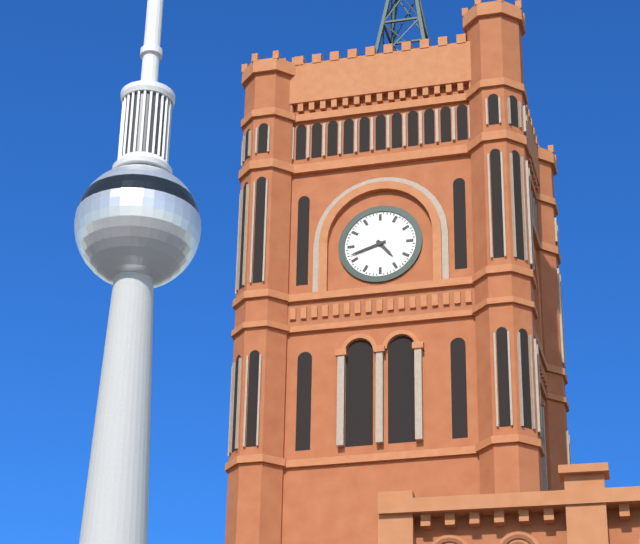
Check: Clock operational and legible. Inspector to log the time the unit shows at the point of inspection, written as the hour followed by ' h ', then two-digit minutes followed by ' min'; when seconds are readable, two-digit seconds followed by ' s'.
4 h 42 min
